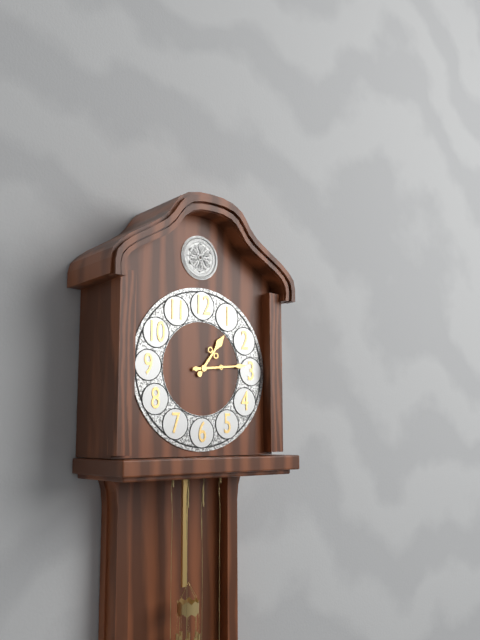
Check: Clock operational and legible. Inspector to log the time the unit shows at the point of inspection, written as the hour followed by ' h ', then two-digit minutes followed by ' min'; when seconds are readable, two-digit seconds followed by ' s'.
1 h 14 min
